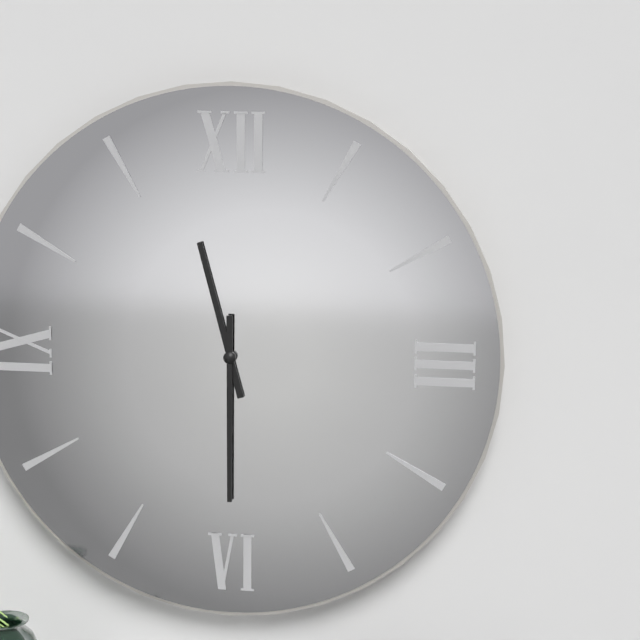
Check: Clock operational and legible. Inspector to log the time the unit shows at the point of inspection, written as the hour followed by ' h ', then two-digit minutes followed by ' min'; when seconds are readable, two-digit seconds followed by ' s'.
11 h 30 min
